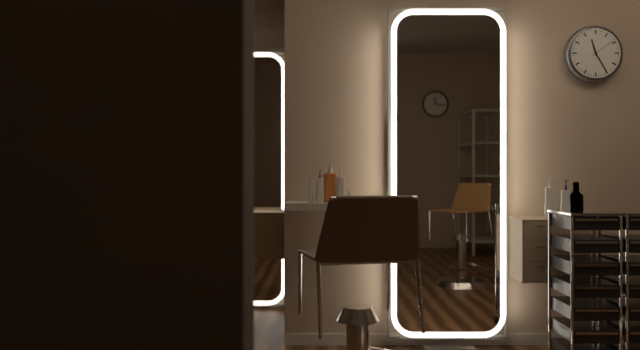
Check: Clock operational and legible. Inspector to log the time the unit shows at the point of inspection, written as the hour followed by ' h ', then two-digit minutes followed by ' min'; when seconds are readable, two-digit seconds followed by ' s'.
11 h 25 min
